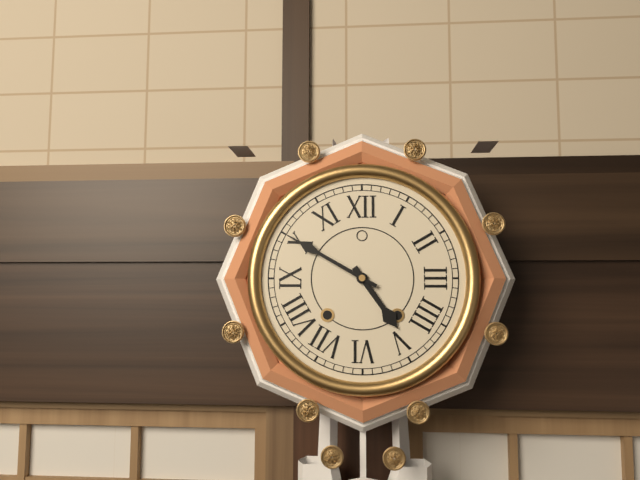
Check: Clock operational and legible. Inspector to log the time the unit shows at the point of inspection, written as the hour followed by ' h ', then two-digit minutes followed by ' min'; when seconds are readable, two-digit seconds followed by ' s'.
4 h 50 min
